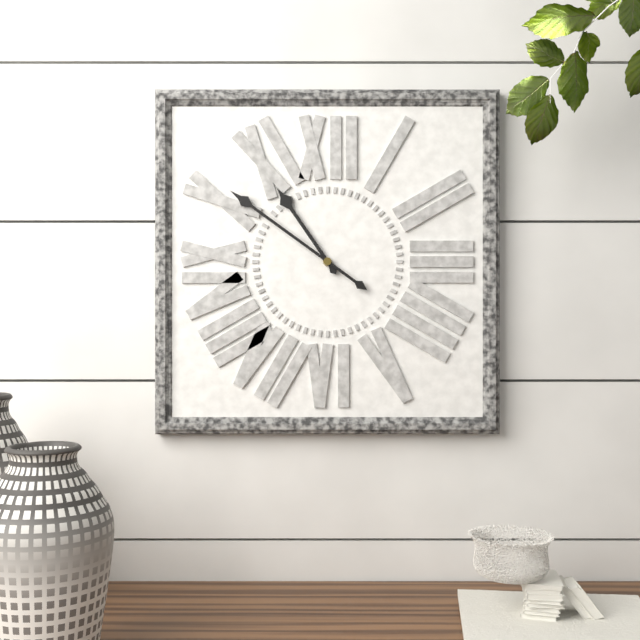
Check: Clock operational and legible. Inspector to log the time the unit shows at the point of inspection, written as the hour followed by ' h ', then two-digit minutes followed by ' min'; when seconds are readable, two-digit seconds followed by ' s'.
10 h 51 min
